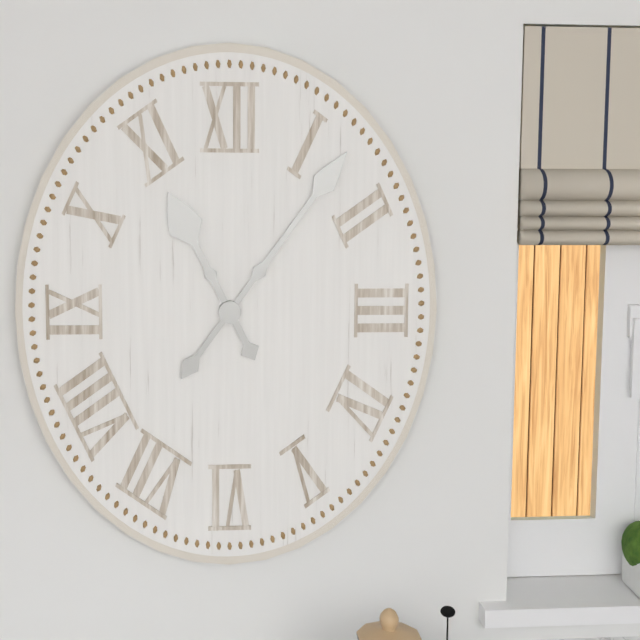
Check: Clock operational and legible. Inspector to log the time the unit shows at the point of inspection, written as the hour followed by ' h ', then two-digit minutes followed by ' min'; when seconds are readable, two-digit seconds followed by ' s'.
11 h 06 min
